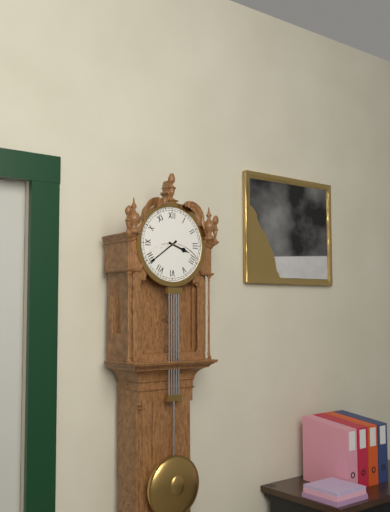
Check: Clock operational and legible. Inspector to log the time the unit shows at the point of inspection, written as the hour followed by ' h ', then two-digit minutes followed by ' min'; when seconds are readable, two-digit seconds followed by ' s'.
3 h 39 min
